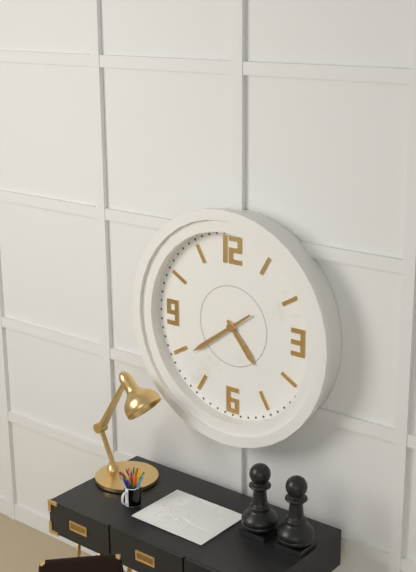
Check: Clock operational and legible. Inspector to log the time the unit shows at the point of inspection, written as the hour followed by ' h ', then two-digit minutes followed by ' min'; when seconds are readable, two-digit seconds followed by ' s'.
4 h 39 min
